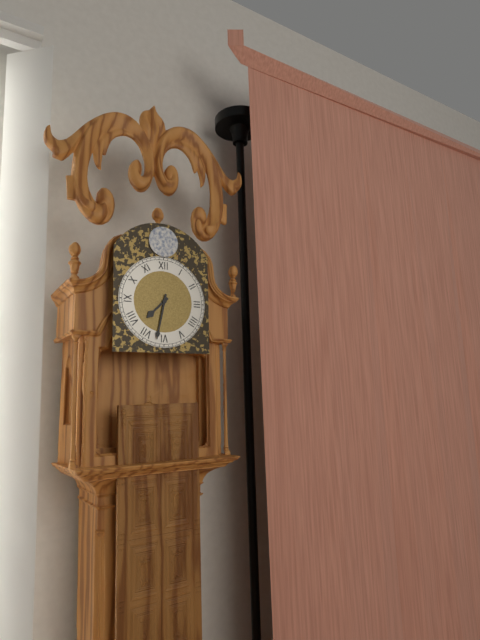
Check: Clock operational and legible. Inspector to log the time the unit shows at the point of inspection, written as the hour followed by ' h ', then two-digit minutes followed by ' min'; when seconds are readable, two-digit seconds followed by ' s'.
7 h 32 min
